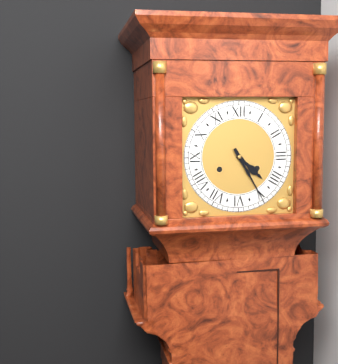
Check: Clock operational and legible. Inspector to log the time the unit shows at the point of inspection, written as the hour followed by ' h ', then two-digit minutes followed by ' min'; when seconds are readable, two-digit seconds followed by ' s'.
4 h 25 min
